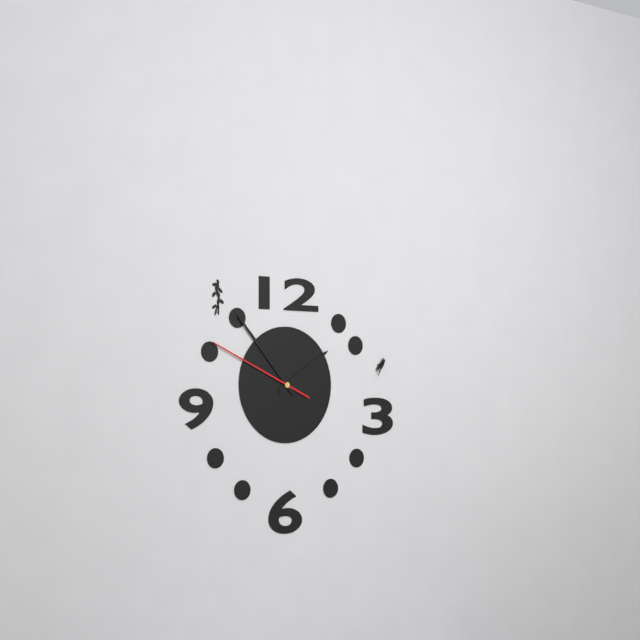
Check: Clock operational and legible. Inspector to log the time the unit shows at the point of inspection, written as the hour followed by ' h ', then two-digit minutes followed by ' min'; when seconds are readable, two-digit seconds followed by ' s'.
1 h 53 min 49 s
